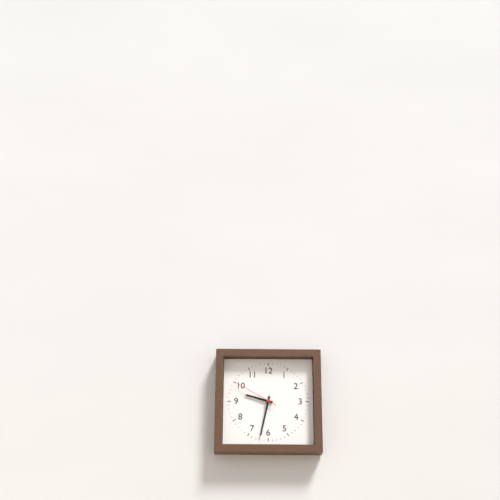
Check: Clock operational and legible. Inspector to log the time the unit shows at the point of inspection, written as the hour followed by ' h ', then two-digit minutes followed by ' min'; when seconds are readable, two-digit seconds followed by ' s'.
9 h 32 min
